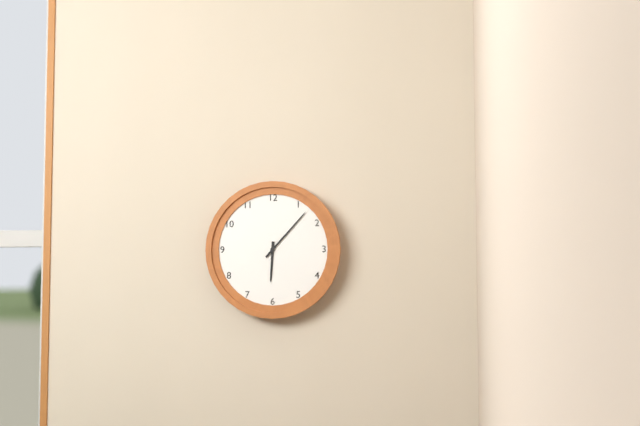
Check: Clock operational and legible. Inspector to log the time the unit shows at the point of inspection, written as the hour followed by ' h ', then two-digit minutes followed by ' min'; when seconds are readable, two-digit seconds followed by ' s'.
6 h 07 min
